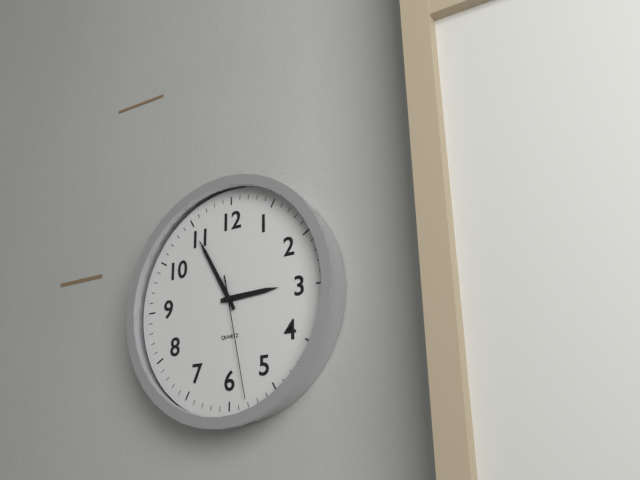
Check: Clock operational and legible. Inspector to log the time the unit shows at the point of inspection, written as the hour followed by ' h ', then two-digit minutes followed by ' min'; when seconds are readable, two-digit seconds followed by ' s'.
2 h 55 min 28 s
